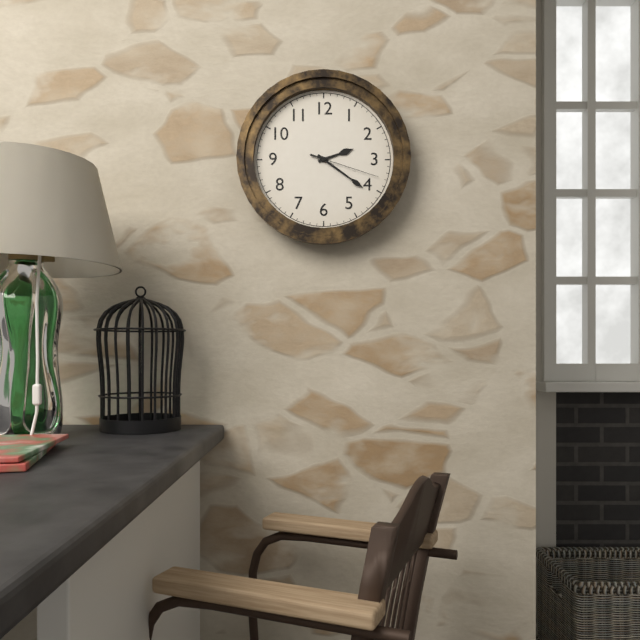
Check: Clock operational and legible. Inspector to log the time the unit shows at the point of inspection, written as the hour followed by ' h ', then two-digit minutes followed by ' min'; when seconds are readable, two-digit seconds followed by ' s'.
2 h 21 min 18 s
